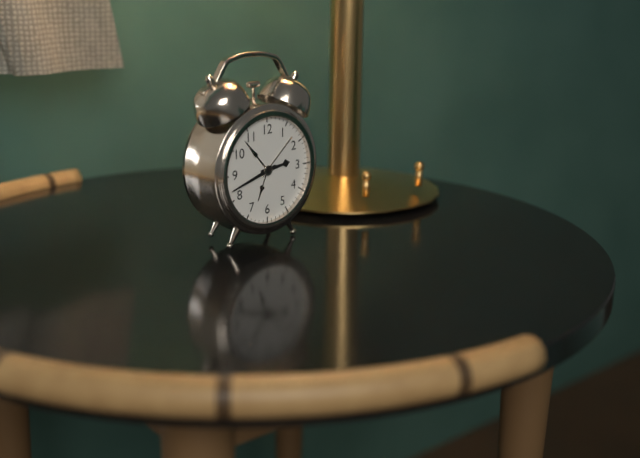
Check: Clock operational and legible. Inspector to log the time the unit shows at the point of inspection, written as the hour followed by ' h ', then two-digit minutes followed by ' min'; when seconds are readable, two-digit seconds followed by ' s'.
2 h 42 min
